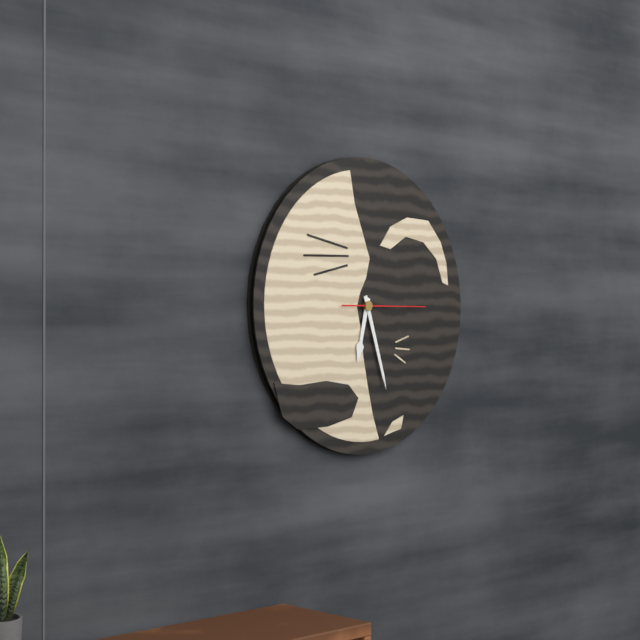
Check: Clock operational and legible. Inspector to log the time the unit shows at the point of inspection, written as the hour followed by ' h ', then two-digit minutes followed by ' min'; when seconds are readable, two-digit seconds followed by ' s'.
6 h 27 min 15 s
